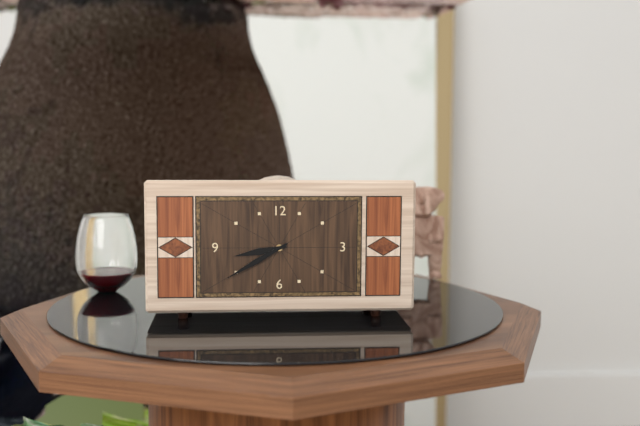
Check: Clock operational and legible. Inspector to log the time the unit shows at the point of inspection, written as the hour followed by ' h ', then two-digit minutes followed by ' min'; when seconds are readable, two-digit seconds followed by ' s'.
8 h 40 min
